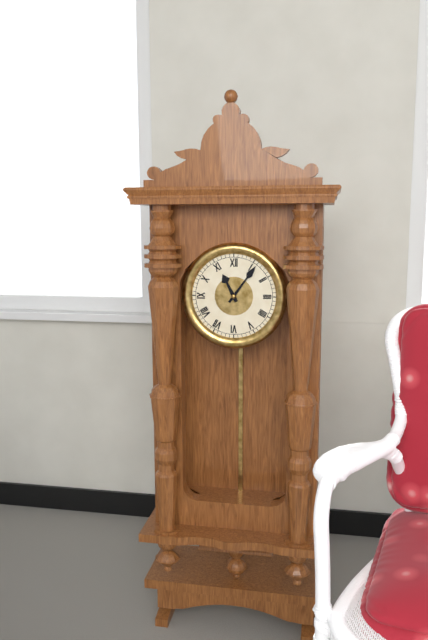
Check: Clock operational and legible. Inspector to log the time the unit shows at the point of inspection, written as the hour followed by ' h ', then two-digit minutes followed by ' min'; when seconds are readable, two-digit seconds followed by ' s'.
11 h 06 min
